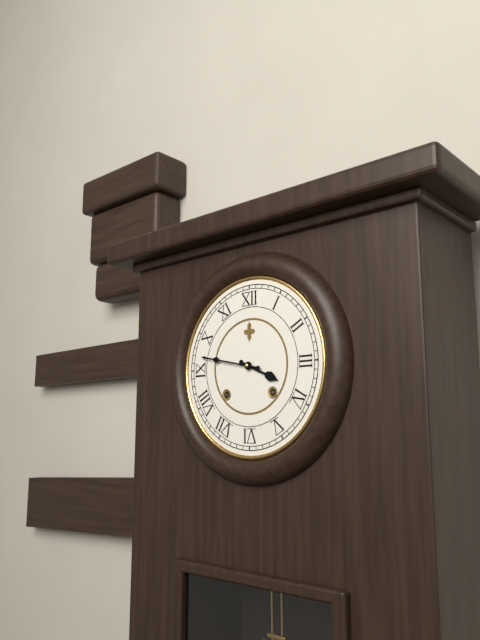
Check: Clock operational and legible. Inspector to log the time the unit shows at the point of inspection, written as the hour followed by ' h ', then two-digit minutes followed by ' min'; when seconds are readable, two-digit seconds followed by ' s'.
3 h 47 min
